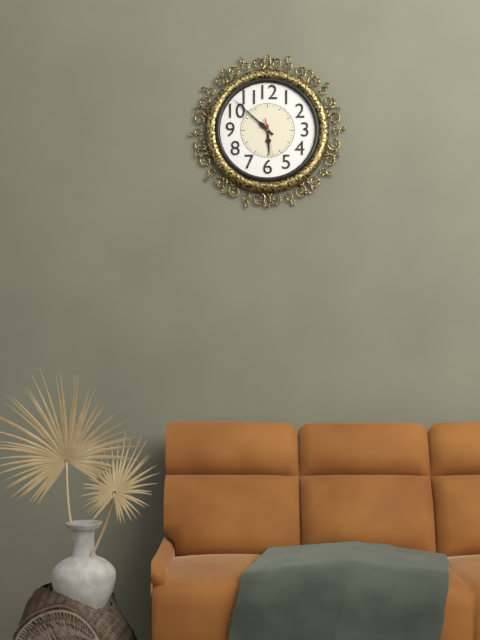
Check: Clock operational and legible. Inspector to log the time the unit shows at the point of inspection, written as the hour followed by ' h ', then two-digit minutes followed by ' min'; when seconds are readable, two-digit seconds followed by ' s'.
5 h 52 min
